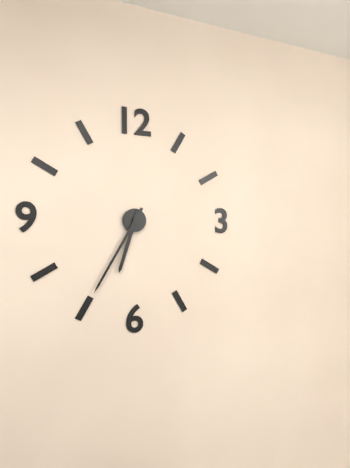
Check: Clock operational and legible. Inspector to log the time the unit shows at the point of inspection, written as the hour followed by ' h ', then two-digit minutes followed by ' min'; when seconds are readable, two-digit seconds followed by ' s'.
6 h 35 min
